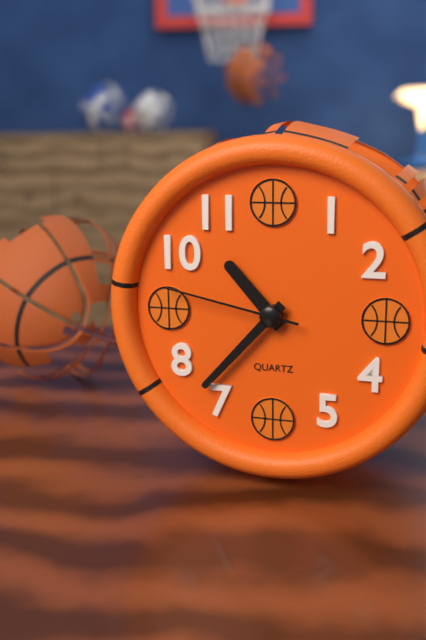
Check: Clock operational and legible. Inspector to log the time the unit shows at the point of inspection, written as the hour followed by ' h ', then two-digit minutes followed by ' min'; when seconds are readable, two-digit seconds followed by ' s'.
10 h 37 min 47 s
